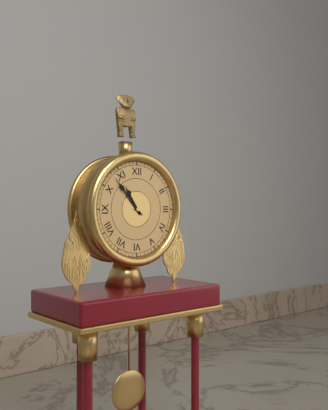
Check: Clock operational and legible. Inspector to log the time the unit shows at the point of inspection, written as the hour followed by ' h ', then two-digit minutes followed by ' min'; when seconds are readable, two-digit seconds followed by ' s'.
10 h 53 min
